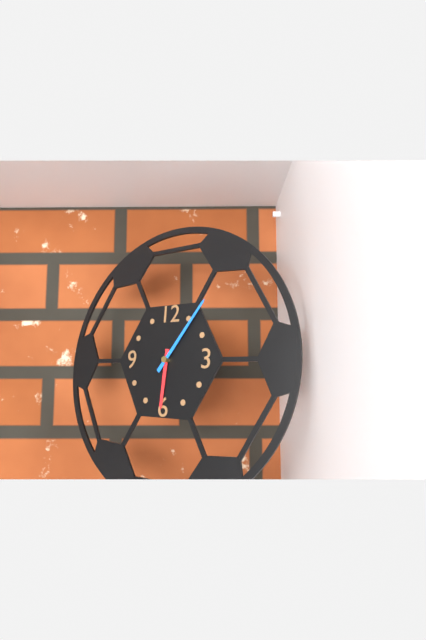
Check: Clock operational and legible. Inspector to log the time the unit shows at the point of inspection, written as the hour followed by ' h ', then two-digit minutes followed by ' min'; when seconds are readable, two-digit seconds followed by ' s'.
6 h 06 min
